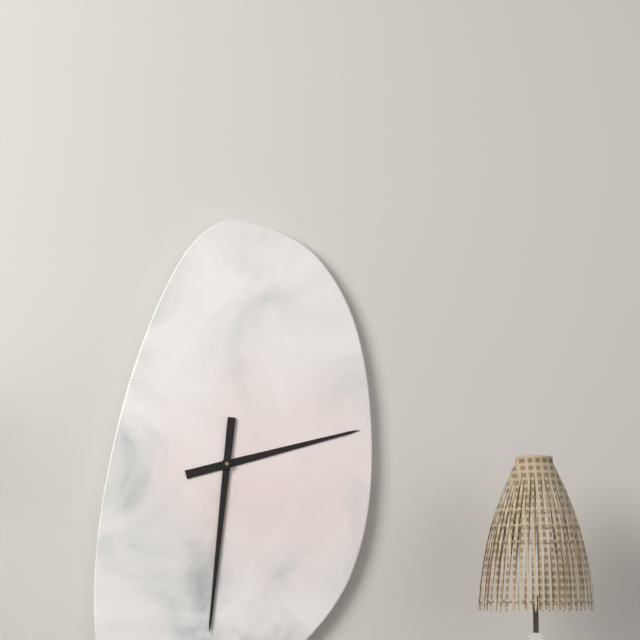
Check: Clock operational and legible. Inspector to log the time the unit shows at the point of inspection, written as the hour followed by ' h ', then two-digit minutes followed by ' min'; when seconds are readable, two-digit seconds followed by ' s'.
2 h 31 min
